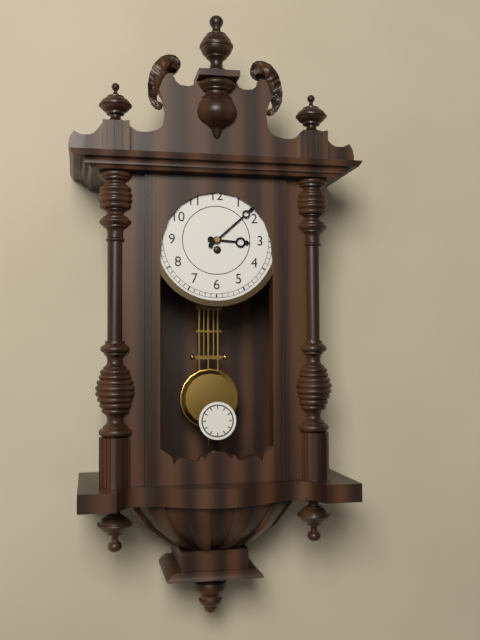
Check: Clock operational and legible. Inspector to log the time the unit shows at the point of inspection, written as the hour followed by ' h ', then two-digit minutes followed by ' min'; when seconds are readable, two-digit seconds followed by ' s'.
3 h 08 min
